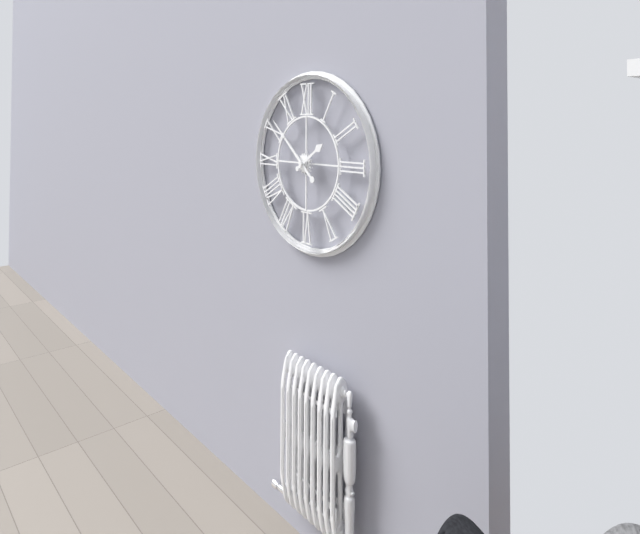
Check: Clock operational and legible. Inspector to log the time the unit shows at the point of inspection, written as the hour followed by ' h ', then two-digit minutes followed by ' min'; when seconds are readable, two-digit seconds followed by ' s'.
1 h 52 min
